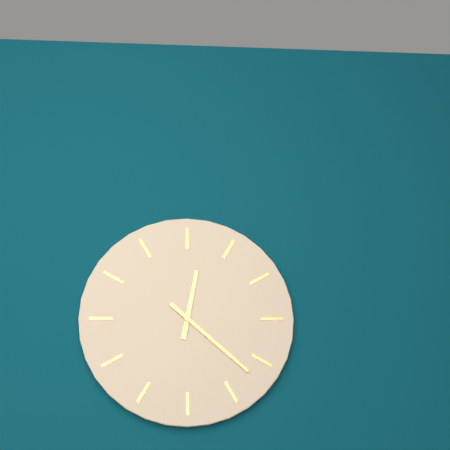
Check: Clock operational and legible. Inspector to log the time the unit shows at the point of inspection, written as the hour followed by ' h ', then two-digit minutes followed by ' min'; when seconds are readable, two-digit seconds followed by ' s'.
12 h 22 min
